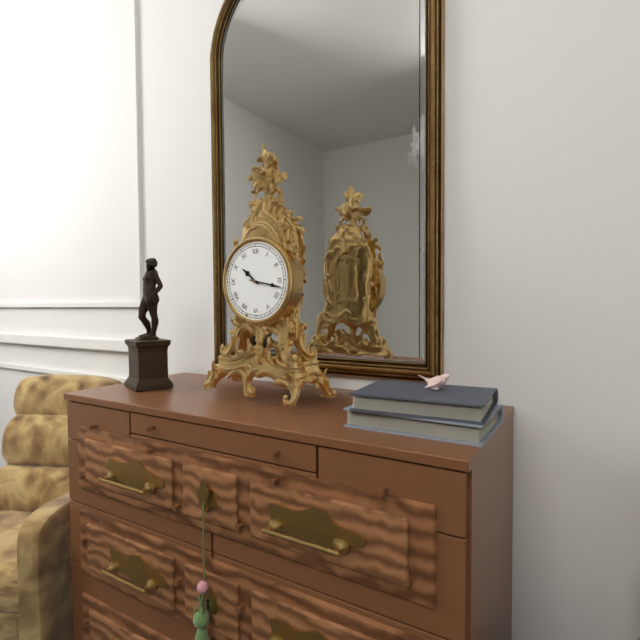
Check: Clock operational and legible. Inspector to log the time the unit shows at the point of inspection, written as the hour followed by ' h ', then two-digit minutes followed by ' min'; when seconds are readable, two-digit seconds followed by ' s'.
10 h 17 min
